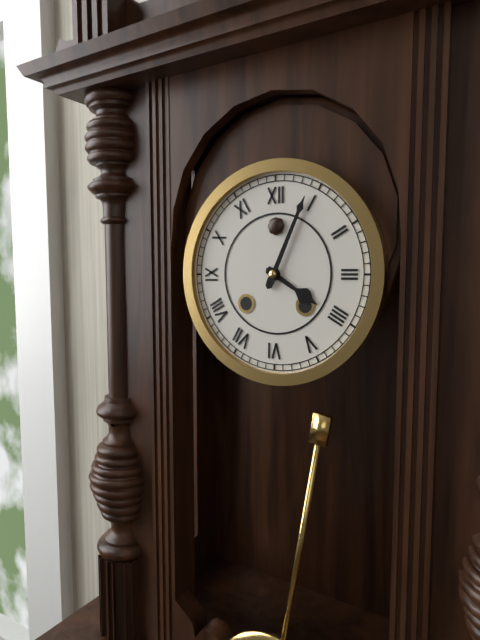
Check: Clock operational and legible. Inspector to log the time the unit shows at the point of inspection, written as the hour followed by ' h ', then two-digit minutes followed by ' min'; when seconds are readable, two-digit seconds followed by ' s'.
4 h 04 min
